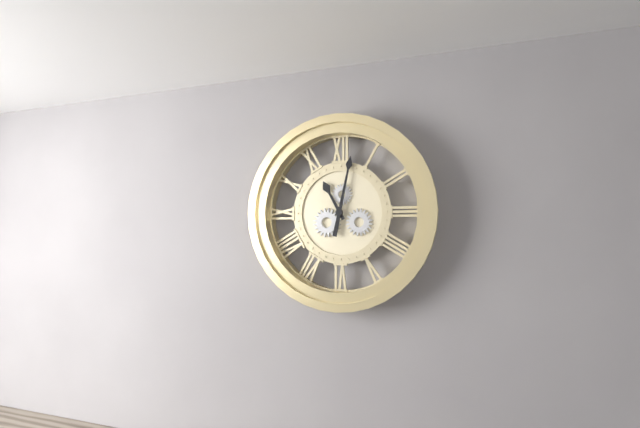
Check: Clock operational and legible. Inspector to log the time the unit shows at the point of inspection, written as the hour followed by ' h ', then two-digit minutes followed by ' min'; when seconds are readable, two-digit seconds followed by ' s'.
11 h 02 min
